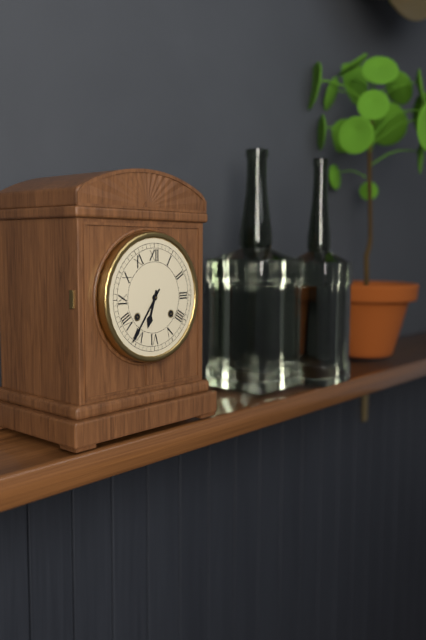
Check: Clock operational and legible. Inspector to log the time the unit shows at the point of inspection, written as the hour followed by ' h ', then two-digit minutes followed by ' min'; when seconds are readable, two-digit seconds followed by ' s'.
6 h 36 min
